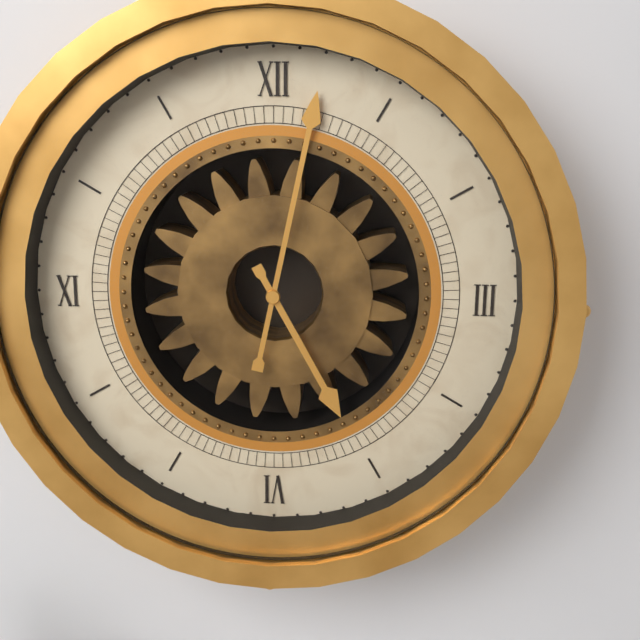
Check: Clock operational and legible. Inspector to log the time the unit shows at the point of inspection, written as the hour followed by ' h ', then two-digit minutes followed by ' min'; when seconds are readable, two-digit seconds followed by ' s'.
5 h 02 min
